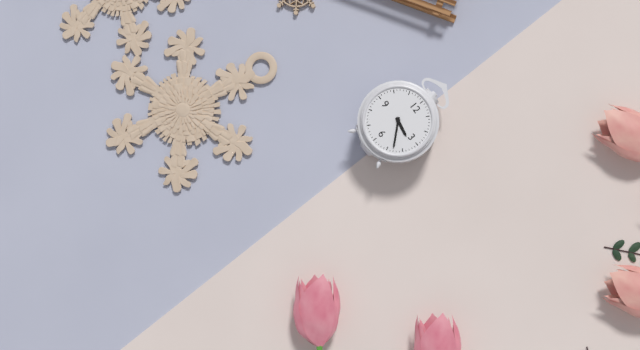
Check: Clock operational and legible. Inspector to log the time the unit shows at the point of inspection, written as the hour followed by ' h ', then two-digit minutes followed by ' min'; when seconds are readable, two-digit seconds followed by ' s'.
3 h 23 min
